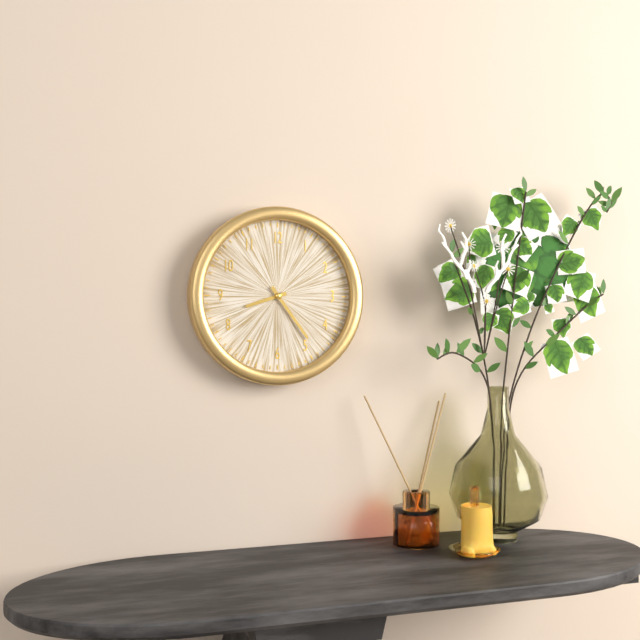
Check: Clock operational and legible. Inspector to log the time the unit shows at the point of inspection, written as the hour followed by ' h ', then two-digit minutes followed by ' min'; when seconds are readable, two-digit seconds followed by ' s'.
8 h 24 min
